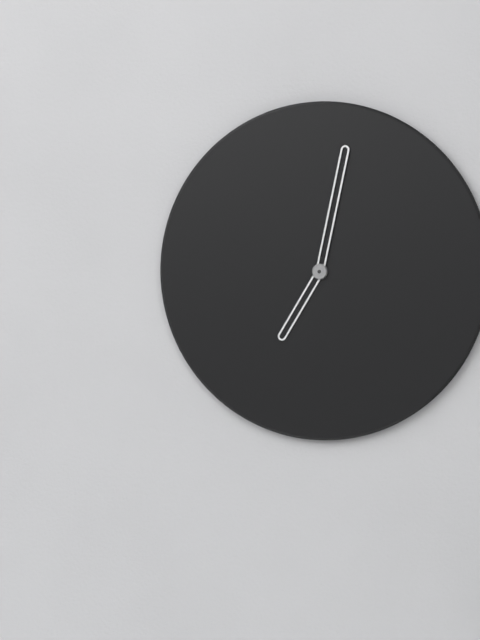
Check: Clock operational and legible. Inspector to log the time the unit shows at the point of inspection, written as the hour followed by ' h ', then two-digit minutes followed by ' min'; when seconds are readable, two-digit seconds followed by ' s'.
7 h 02 min
